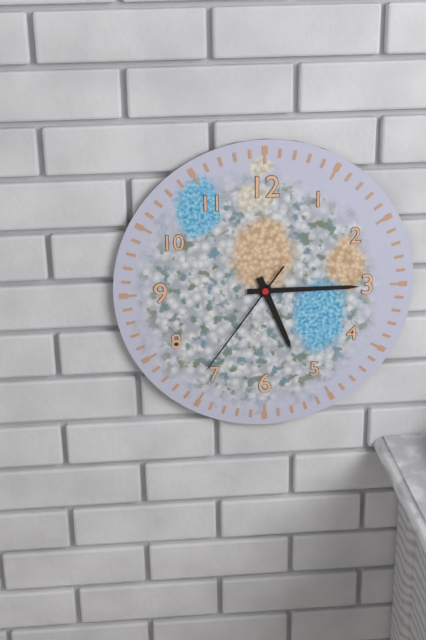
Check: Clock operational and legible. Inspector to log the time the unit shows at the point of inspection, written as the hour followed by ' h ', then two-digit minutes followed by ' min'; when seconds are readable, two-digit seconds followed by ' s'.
5 h 15 min 36 s
